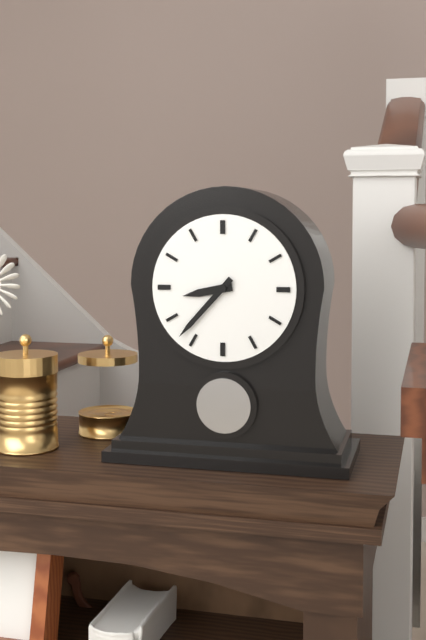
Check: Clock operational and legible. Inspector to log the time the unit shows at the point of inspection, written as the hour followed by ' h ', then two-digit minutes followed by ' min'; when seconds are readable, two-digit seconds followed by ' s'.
8 h 37 min
